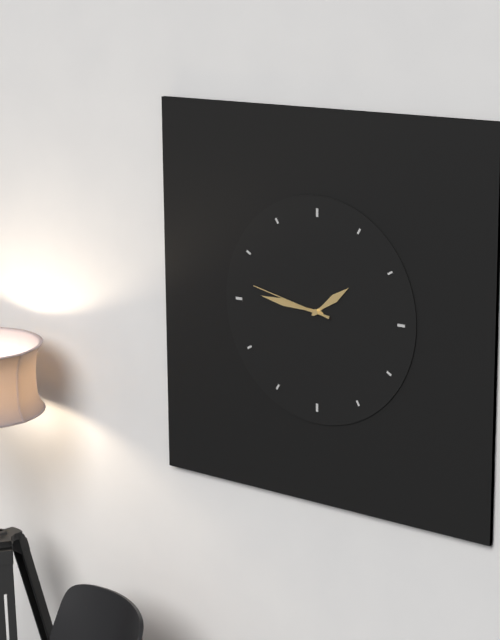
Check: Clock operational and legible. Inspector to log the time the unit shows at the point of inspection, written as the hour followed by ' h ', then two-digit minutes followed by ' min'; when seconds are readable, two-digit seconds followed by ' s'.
1 h 46 min 47 s
